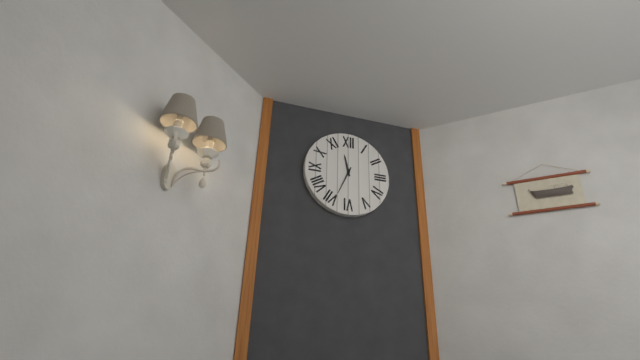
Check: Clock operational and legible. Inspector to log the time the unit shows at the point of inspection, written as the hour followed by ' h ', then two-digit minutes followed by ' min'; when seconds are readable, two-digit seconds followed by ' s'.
11 h 34 min
